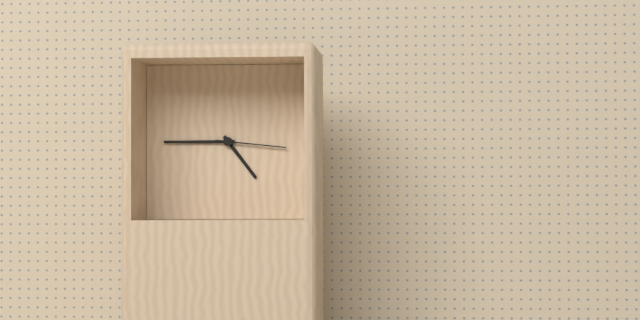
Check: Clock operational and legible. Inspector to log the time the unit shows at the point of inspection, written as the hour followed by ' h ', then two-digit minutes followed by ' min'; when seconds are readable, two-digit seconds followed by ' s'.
4 h 45 min 16 s
